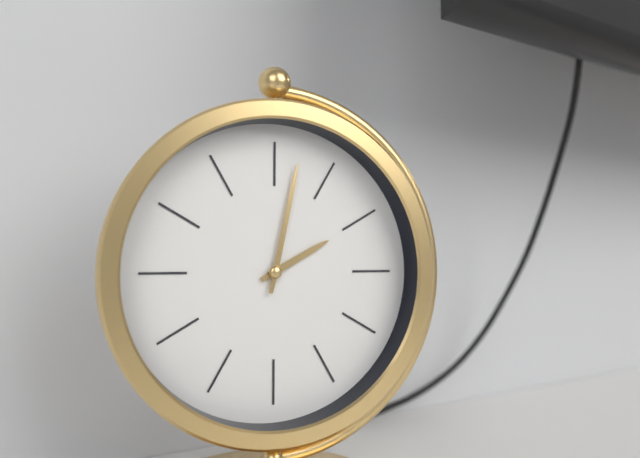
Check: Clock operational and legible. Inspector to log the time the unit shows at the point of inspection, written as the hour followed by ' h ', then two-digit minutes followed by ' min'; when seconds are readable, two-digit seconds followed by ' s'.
2 h 02 min
